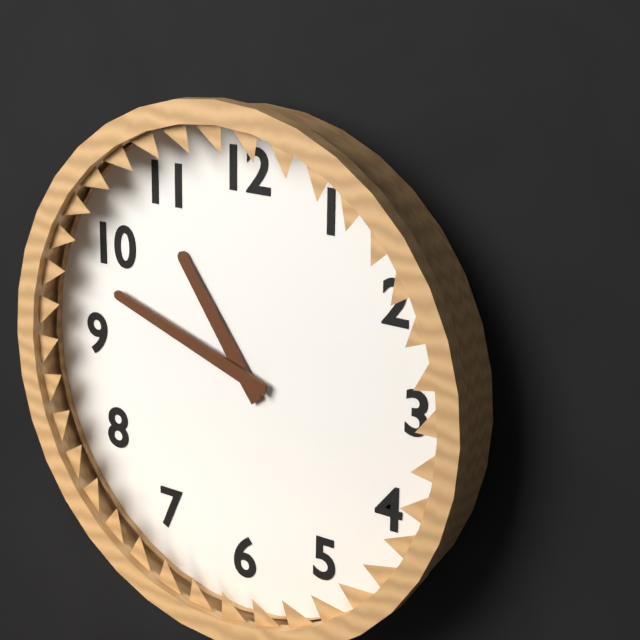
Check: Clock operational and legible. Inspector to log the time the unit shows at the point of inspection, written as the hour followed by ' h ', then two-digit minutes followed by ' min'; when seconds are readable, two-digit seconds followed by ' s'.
10 h 48 min
